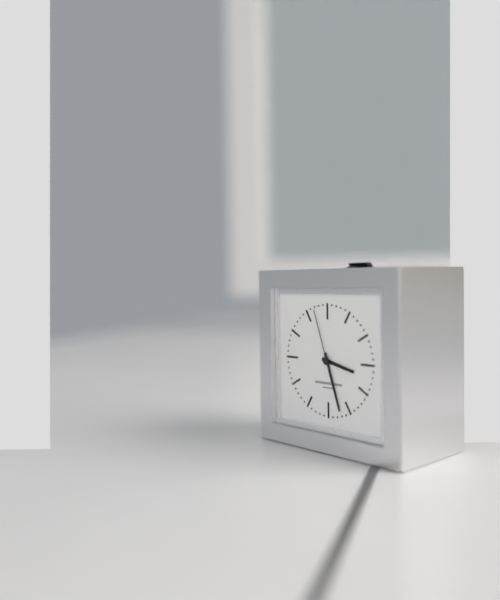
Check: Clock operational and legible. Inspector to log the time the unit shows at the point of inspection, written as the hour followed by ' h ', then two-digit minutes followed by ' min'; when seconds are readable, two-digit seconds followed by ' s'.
3 h 27 min 57 s
